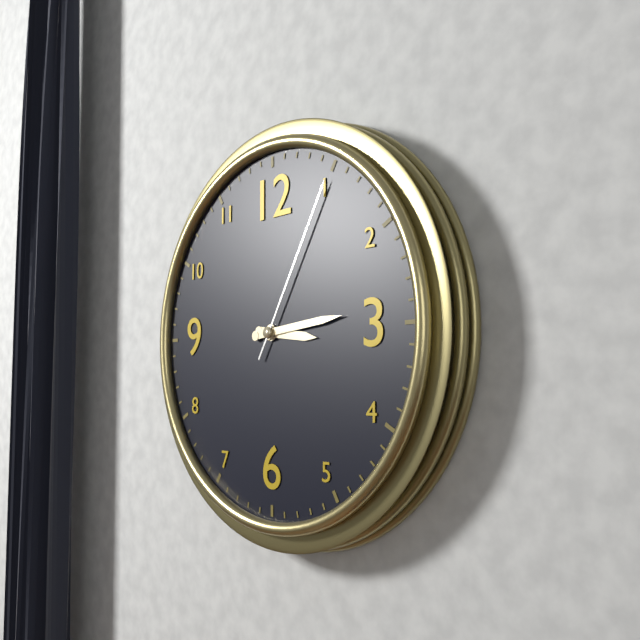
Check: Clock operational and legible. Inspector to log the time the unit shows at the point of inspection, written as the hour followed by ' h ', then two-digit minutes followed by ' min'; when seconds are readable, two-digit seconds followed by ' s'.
3 h 14 min 05 s
